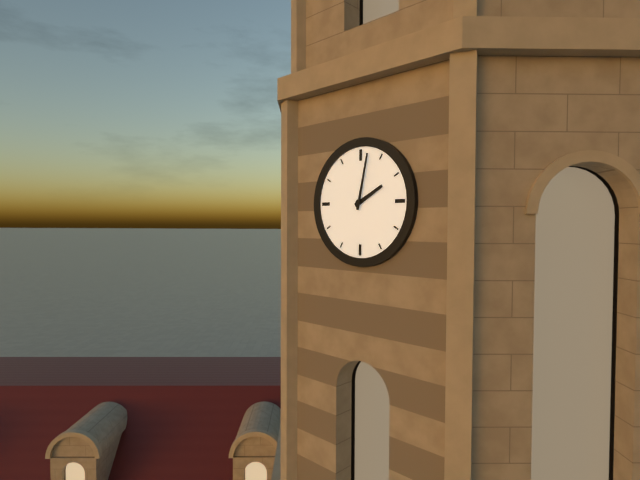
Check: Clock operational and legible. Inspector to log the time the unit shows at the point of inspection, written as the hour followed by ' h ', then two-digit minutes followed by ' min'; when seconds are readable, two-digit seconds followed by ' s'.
2 h 02 min
